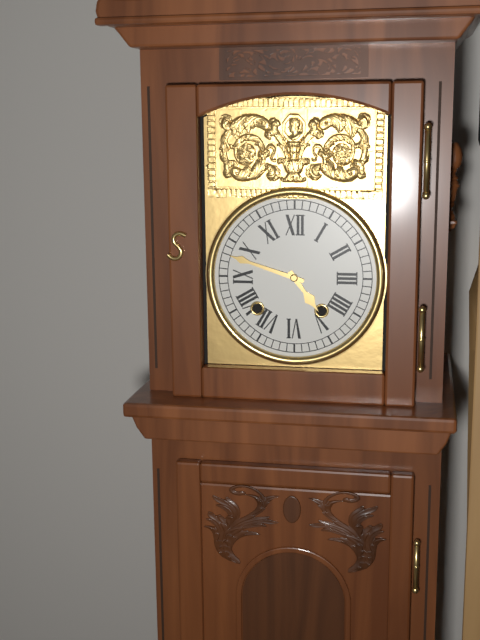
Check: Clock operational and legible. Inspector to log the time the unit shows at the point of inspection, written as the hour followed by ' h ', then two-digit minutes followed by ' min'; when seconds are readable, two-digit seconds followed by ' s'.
4 h 48 min
